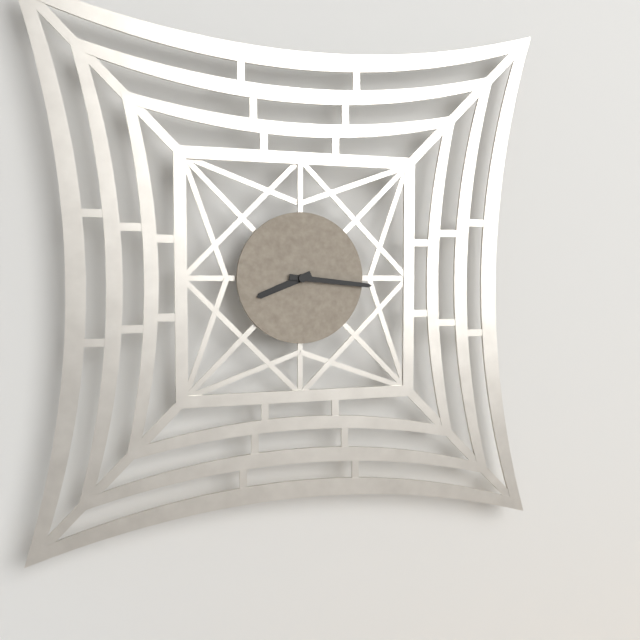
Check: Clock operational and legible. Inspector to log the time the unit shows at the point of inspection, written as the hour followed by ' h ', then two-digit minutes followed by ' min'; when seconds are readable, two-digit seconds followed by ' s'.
8 h 16 min
